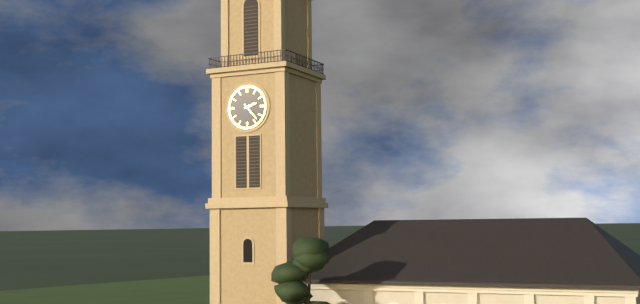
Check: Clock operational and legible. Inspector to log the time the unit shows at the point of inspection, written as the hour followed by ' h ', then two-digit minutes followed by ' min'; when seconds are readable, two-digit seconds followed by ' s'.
2 h 23 min
